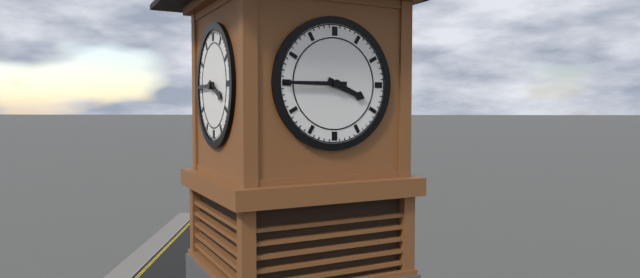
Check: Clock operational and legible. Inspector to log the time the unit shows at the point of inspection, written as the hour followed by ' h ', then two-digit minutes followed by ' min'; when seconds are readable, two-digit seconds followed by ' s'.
3 h 45 min
